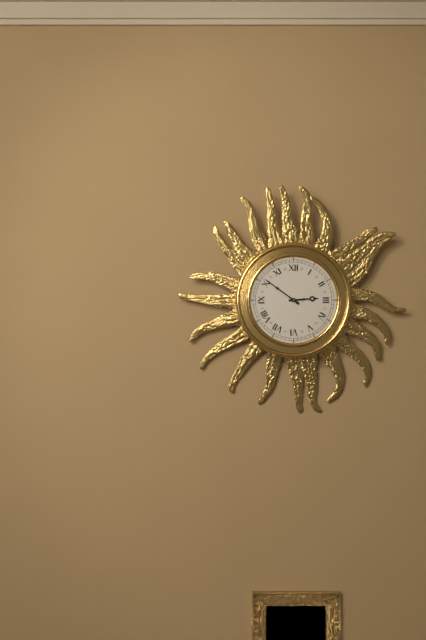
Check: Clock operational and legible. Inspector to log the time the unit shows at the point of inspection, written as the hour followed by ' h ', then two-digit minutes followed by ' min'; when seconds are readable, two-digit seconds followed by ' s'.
2 h 51 min
